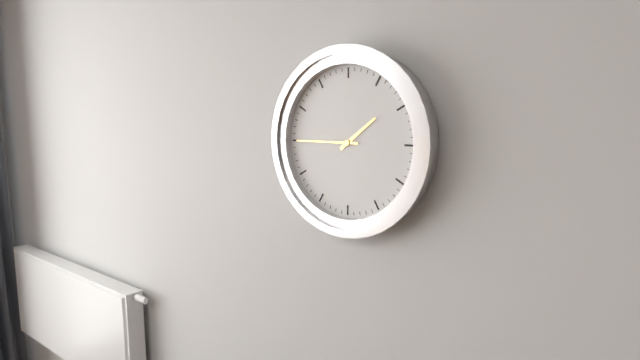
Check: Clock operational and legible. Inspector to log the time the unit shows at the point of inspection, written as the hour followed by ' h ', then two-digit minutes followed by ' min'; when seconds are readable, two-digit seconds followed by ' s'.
1 h 45 min
